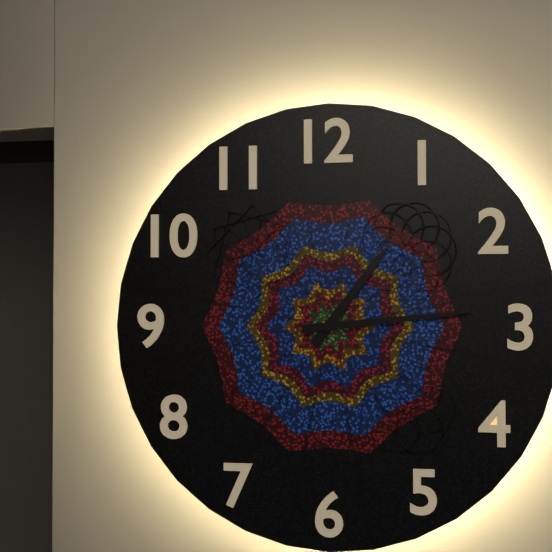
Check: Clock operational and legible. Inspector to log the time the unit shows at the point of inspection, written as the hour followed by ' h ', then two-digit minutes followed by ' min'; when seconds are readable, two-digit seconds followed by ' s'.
1 h 14 min
